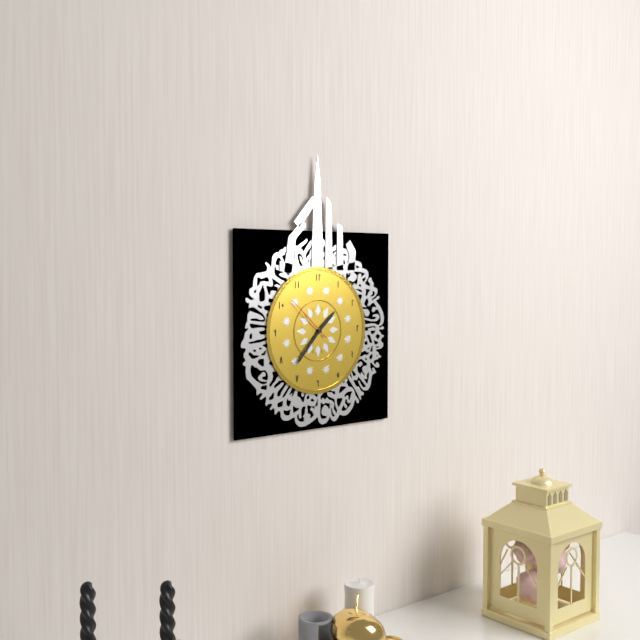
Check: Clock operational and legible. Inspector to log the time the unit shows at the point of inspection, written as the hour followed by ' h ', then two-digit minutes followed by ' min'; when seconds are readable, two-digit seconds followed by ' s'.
1 h 37 min 52 s
